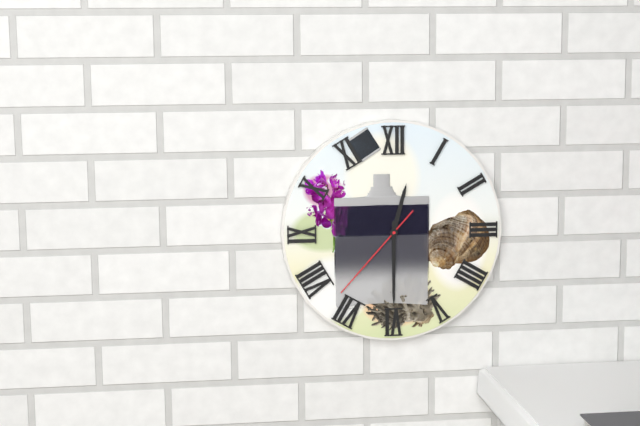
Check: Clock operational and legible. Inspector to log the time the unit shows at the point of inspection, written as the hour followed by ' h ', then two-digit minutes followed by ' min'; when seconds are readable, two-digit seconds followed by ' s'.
12 h 30 min 37 s
